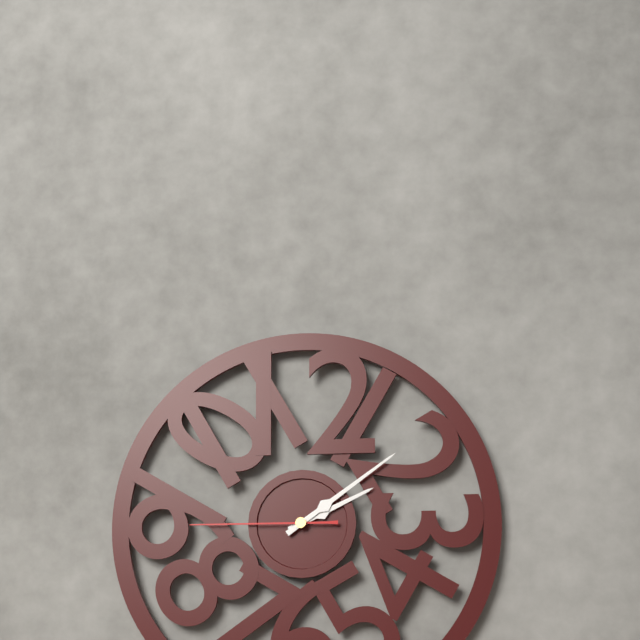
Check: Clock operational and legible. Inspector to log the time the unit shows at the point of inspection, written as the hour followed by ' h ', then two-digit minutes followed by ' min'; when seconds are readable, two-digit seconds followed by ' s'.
2 h 09 min 45 s
